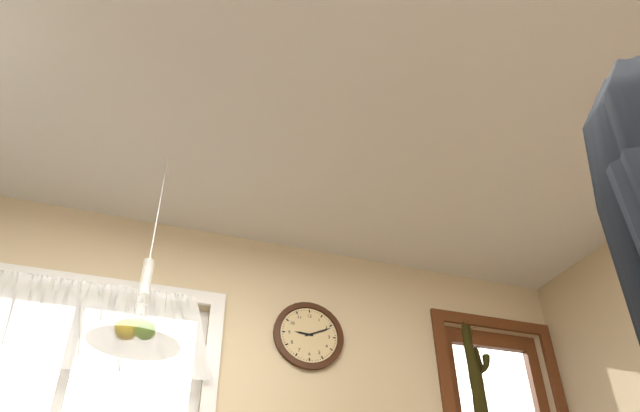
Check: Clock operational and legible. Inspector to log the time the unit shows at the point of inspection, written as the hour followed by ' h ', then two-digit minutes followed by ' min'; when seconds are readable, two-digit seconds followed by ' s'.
9 h 11 min
